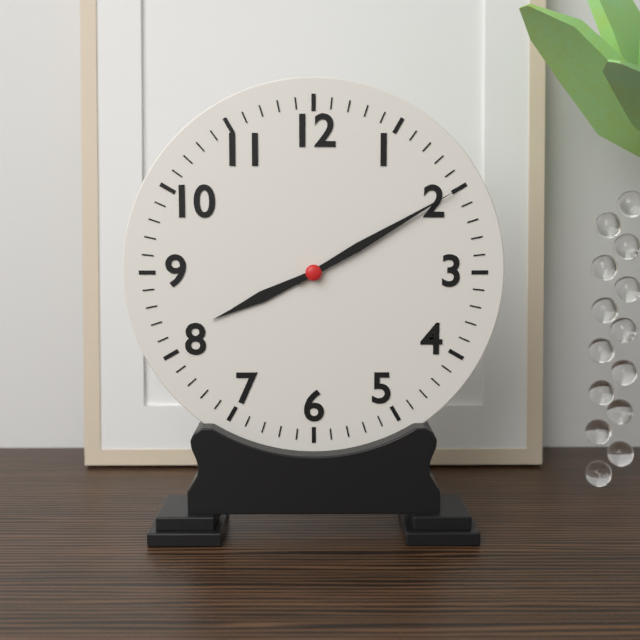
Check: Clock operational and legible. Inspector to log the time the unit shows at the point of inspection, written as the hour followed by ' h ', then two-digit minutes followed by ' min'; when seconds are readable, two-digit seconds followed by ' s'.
8 h 10 min
